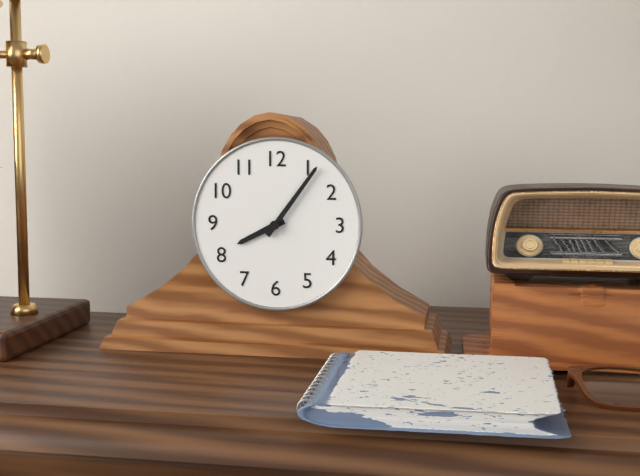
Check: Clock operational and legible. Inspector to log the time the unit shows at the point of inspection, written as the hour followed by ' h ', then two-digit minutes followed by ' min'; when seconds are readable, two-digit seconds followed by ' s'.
8 h 06 min
